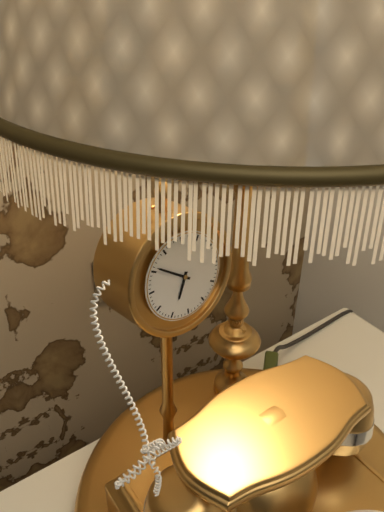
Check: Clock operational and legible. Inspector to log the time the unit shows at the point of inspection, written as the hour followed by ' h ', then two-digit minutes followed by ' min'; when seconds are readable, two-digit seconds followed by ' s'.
6 h 51 min
